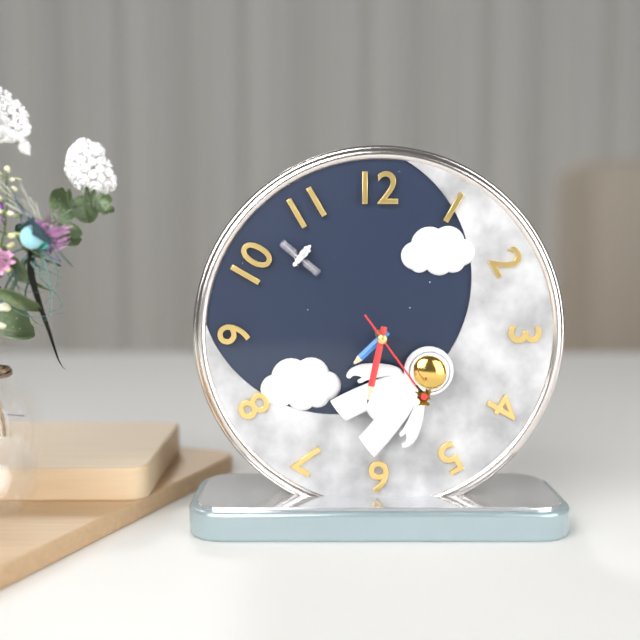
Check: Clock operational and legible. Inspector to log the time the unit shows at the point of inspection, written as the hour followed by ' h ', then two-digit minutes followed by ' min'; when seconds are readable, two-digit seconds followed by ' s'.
7 h 32 min 24 s
